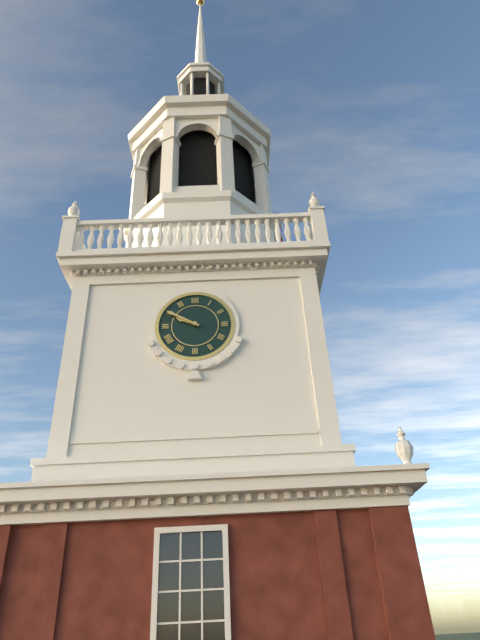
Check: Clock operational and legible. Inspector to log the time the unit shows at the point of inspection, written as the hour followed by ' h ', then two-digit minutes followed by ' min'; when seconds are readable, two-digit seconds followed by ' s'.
9 h 50 min
